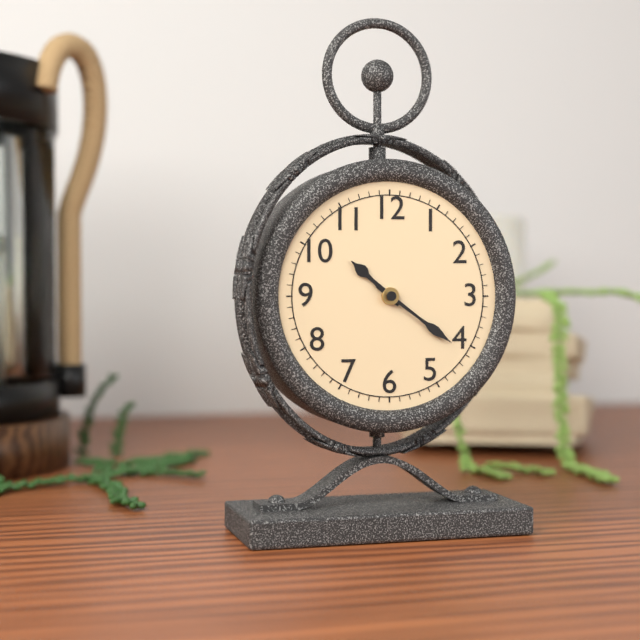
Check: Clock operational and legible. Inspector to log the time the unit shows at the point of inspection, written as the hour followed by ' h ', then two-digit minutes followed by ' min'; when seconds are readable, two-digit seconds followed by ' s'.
10 h 21 min
